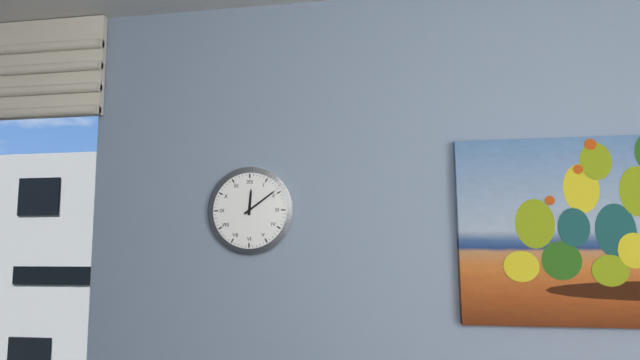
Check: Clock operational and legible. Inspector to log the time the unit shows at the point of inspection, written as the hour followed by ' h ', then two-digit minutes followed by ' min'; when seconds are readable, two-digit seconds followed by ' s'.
12 h 09 min
